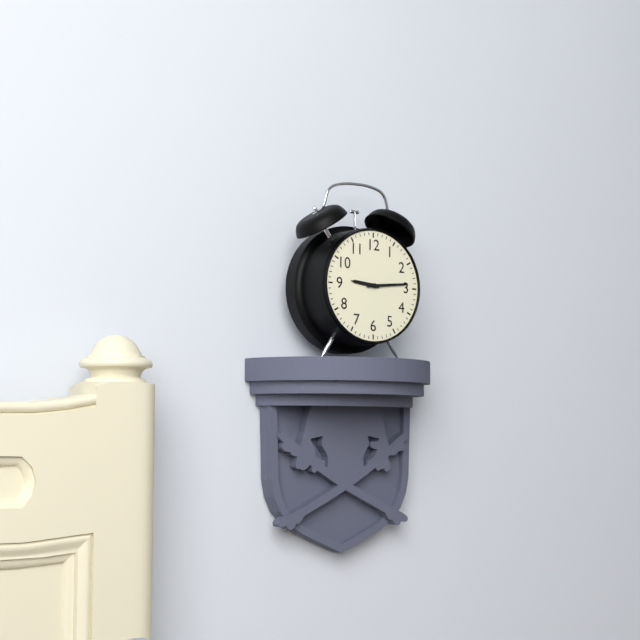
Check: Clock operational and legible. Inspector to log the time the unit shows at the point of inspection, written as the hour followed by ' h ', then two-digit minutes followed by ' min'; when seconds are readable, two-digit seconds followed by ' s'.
9 h 14 min
